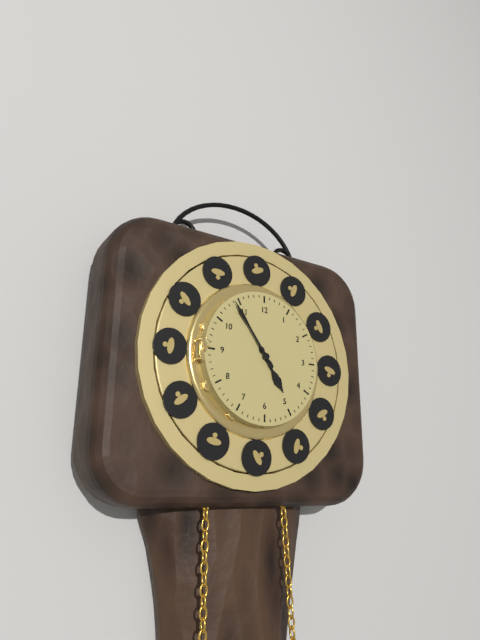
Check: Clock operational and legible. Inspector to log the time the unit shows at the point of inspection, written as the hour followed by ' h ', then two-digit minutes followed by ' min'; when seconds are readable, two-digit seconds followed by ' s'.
4 h 54 min
